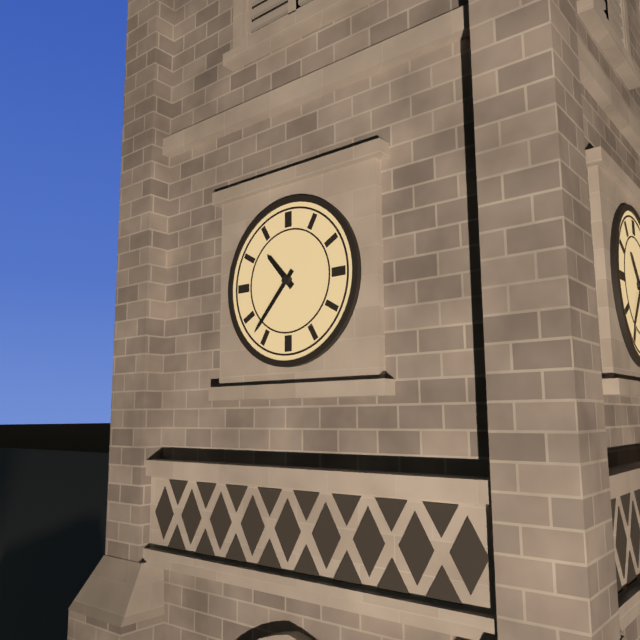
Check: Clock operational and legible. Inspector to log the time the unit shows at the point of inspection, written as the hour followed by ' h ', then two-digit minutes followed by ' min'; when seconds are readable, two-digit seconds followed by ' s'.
10 h 37 min
